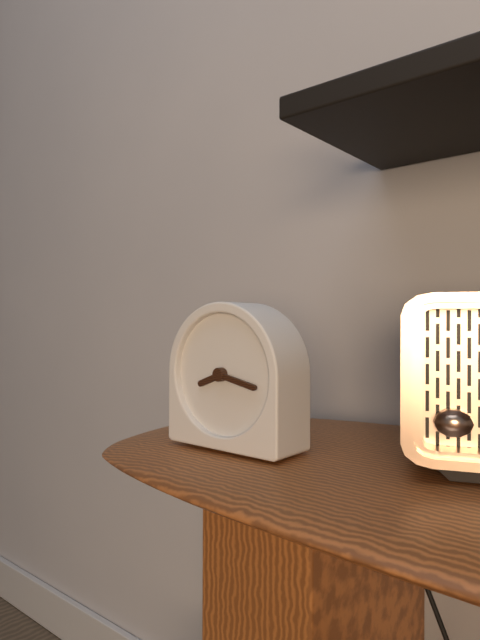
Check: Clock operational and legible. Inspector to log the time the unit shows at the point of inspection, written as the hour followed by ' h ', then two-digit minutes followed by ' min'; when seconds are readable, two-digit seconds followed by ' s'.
8 h 17 min
